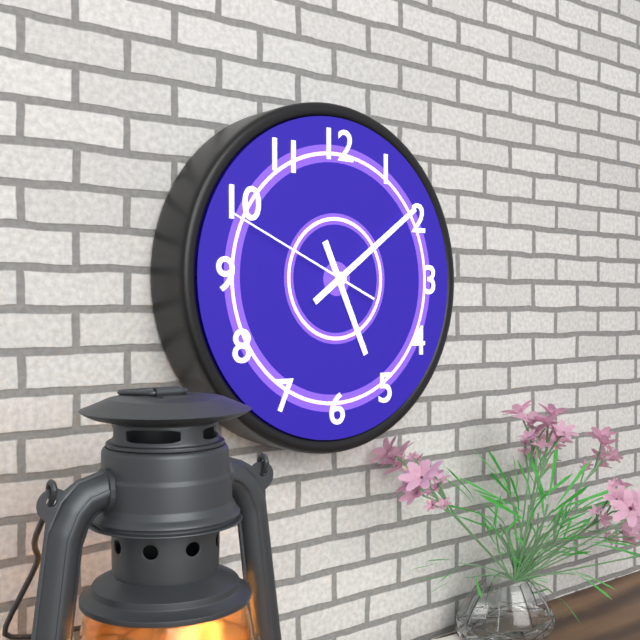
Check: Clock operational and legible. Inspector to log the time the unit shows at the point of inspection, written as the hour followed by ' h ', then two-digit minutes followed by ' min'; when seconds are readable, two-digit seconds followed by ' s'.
5 h 09 min 49 s
